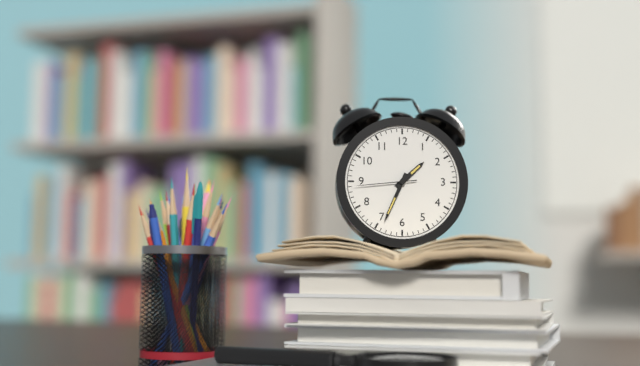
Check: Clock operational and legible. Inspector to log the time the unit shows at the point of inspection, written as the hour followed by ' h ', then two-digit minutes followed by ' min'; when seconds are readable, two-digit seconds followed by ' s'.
1 h 34 min 44 s
